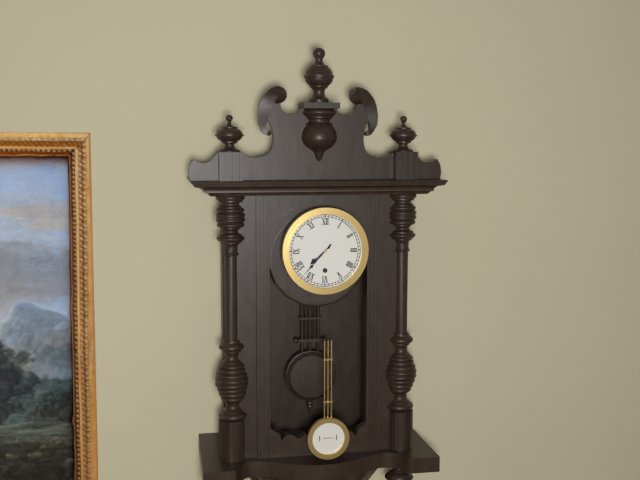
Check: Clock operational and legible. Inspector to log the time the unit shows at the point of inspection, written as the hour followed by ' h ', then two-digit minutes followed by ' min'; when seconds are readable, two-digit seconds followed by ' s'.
7 h 37 min
